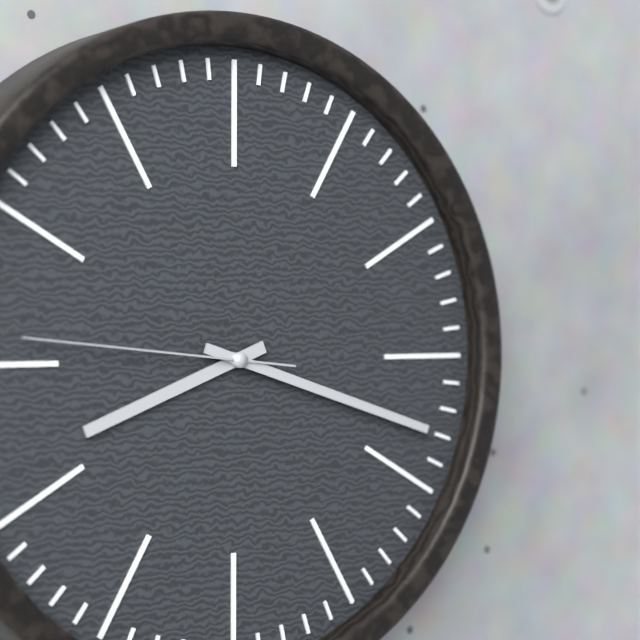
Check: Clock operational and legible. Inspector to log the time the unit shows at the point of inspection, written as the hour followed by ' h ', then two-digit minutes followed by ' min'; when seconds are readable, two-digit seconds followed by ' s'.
8 h 18 min 46 s
